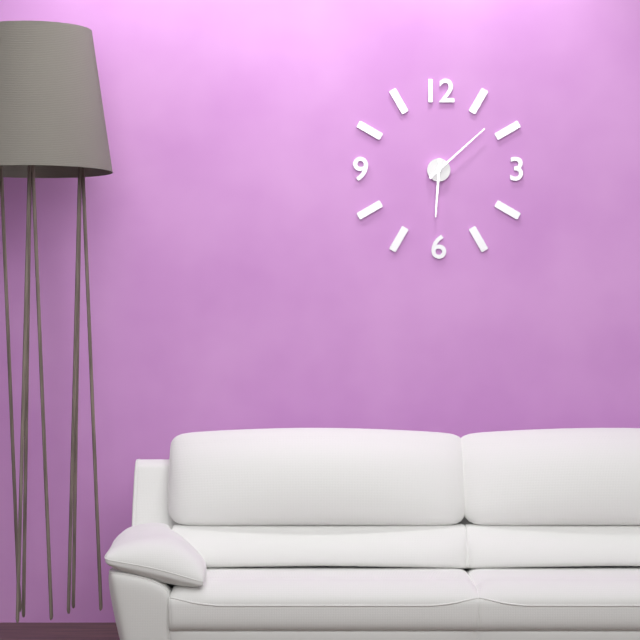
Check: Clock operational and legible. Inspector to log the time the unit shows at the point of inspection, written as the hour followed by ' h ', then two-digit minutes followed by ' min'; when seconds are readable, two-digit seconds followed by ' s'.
6 h 08 min
